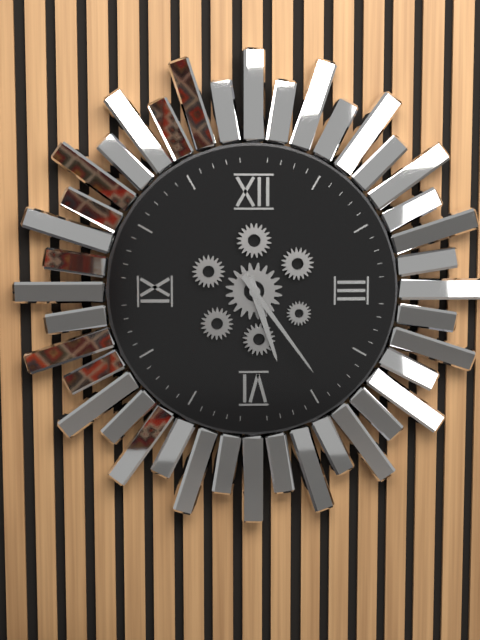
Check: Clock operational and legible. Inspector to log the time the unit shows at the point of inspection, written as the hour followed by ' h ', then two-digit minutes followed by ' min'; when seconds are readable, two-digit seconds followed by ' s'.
5 h 24 min
